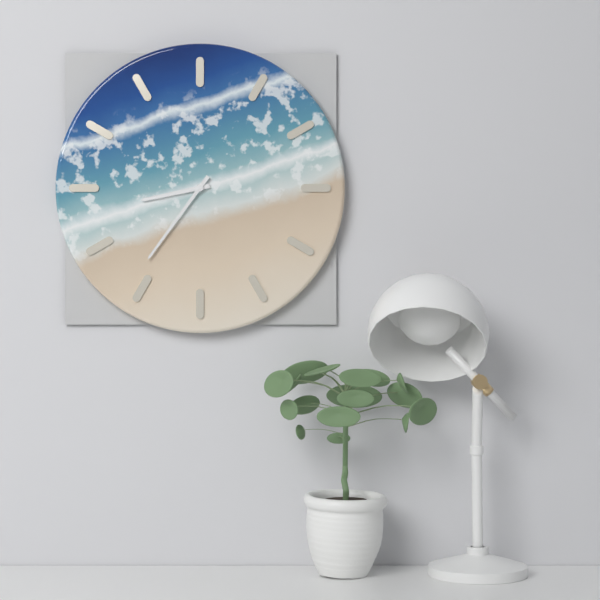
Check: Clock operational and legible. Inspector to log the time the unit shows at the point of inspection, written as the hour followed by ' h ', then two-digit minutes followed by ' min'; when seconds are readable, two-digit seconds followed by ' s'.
8 h 36 min
